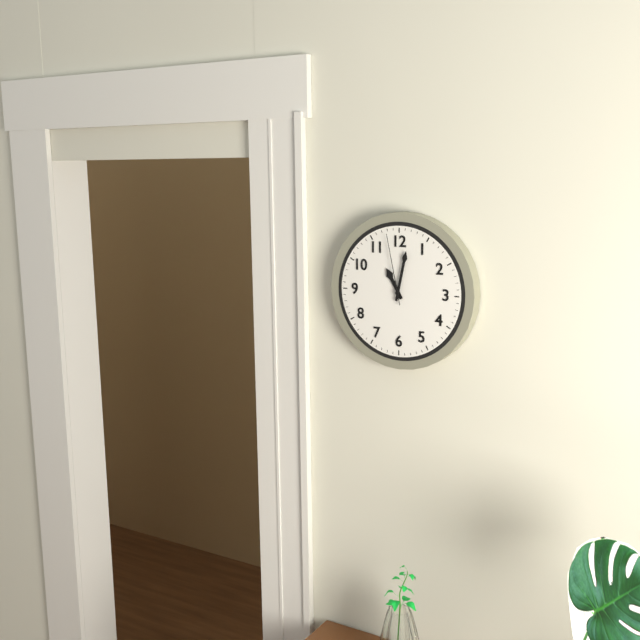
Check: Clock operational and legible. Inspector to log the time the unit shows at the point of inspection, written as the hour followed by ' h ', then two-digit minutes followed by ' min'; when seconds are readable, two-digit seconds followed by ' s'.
11 h 02 min 58 s
